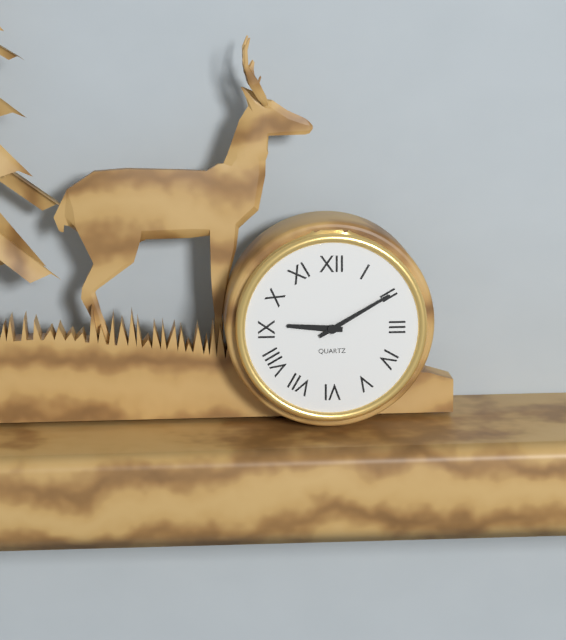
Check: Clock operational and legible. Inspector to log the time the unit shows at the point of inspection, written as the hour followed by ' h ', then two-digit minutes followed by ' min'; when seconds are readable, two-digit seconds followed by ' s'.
9 h 10 min
